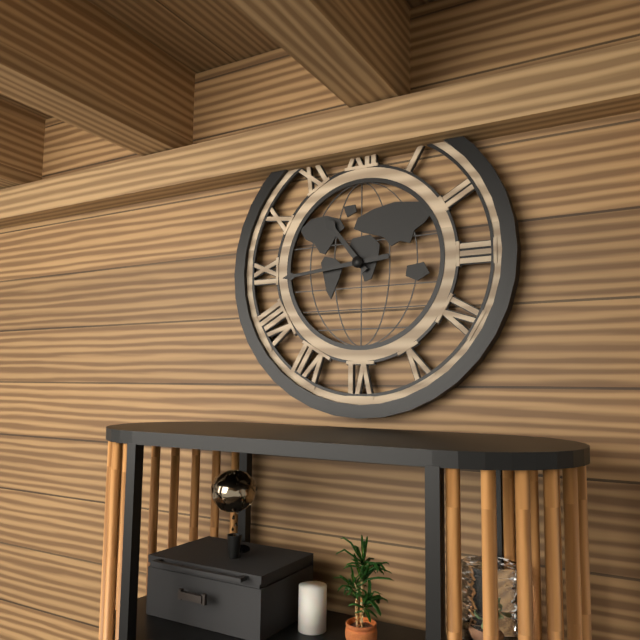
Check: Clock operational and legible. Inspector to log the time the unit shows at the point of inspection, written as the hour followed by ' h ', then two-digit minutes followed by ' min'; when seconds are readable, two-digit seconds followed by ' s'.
10 h 44 min
